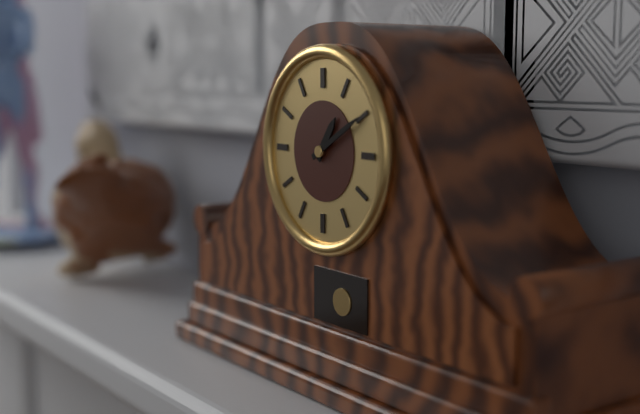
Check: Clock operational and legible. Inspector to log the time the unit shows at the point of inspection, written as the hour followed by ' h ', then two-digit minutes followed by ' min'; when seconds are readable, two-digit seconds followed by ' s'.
1 h 10 min
